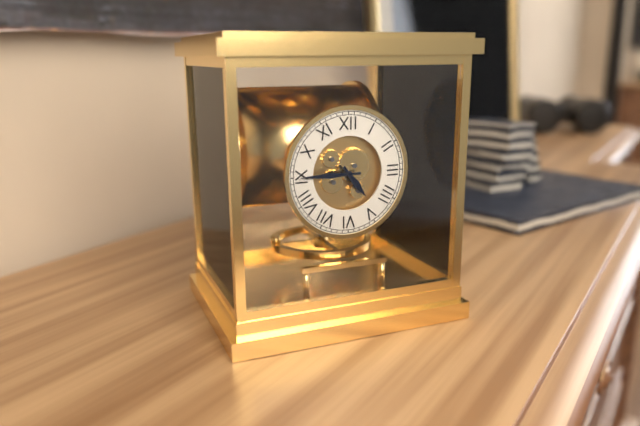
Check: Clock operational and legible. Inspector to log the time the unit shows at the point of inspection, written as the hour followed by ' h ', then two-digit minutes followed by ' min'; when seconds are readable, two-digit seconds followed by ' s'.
4 h 45 min
